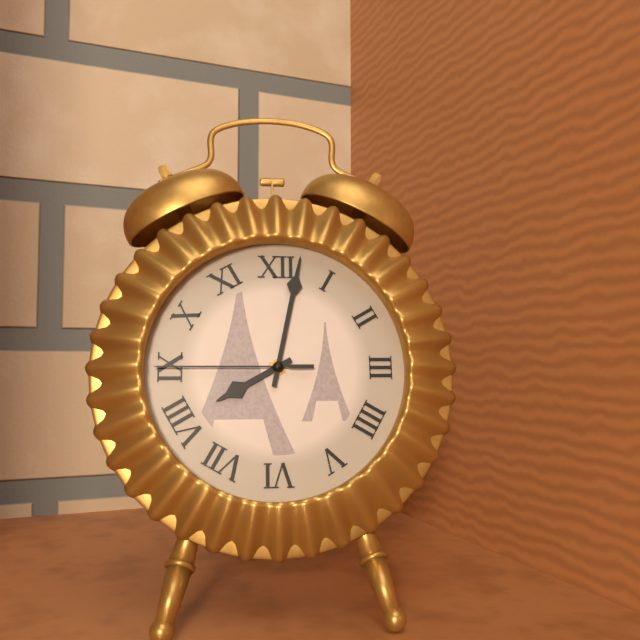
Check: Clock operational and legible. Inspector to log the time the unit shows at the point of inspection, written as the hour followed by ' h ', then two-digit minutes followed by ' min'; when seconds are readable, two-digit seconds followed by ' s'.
8 h 02 min 45 s
